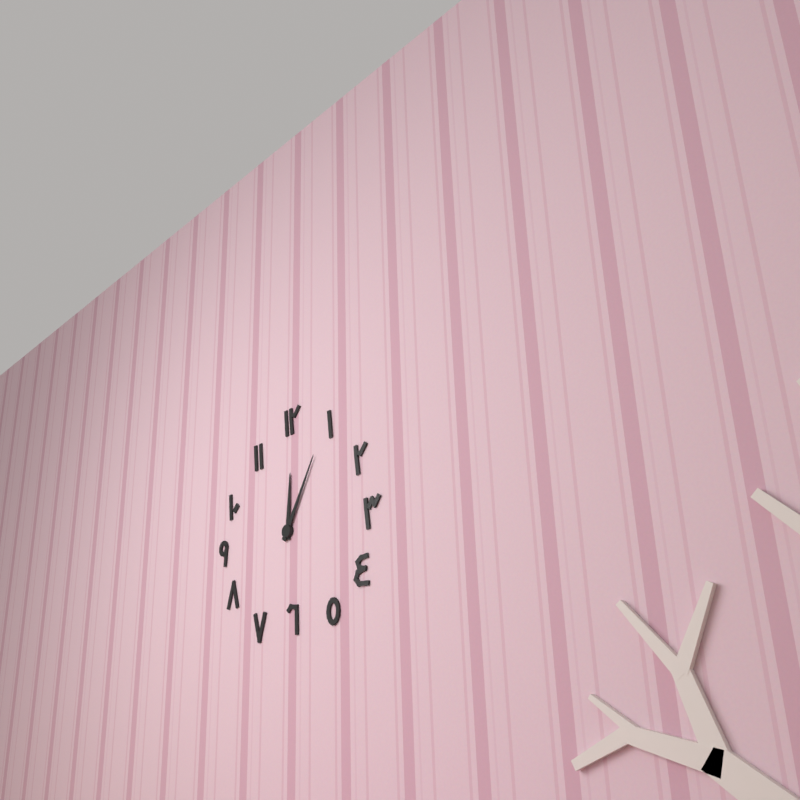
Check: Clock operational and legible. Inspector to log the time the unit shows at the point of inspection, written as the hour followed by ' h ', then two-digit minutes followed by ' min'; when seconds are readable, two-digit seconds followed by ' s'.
12 h 05 min
